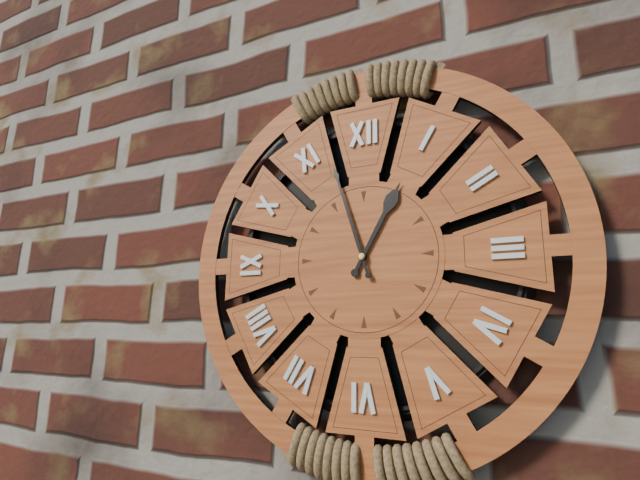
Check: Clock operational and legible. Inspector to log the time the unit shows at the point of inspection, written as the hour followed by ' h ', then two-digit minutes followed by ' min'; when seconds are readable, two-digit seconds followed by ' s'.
12 h 57 min
